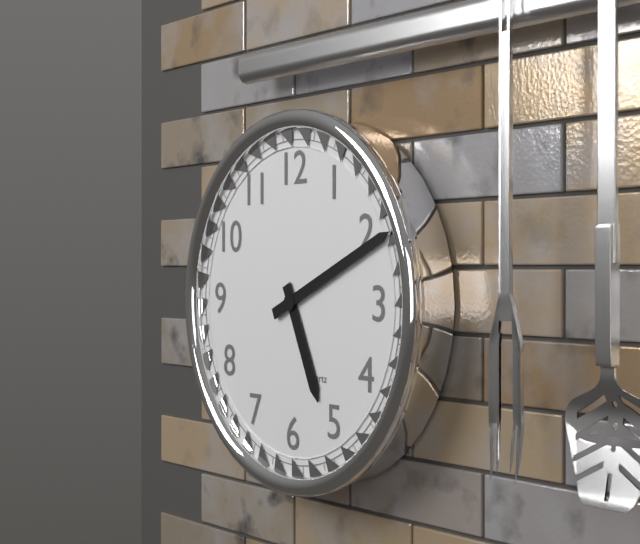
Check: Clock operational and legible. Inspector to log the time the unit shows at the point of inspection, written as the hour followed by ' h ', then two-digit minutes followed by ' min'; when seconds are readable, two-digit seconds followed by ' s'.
5 h 11 min
